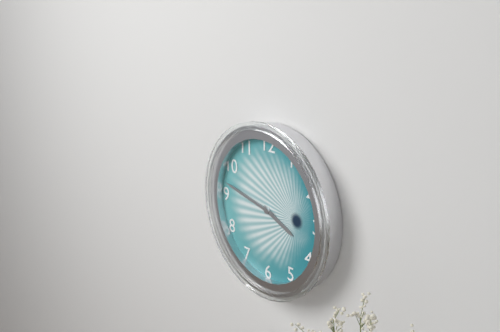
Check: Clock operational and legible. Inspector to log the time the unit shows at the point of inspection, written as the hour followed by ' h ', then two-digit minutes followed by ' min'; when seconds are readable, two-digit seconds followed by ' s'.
3 h 47 min
